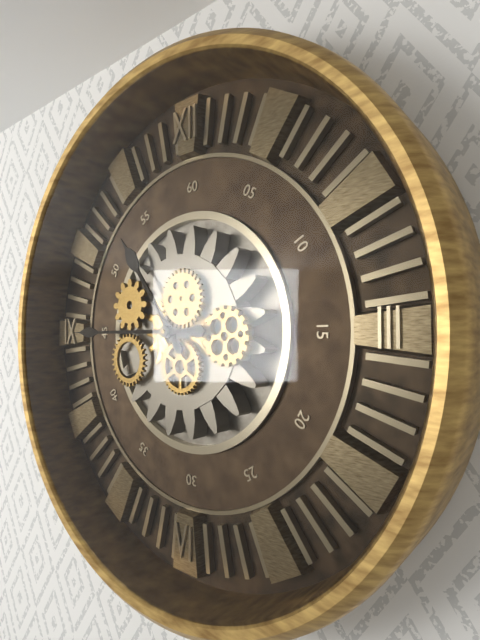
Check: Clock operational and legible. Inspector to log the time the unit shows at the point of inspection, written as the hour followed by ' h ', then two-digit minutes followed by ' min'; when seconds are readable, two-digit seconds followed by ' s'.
10 h 45 min
